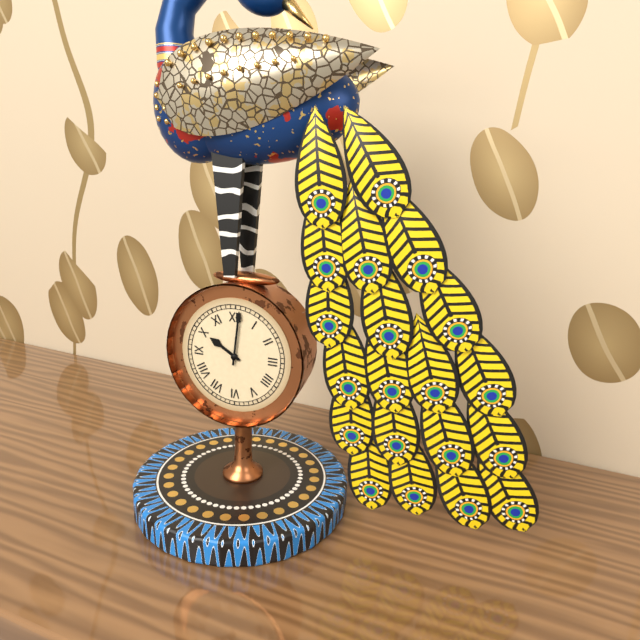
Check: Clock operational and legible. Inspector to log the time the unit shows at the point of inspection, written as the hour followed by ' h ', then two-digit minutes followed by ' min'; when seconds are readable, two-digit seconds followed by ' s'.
10 h 01 min
